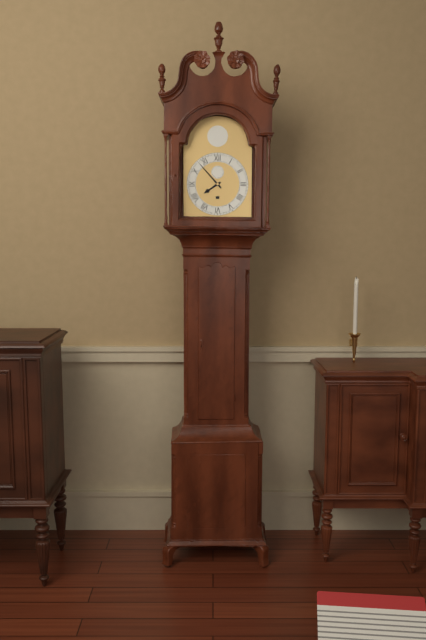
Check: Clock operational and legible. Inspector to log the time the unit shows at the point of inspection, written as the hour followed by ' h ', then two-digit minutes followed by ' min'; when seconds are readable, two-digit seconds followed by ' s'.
7 h 53 min
